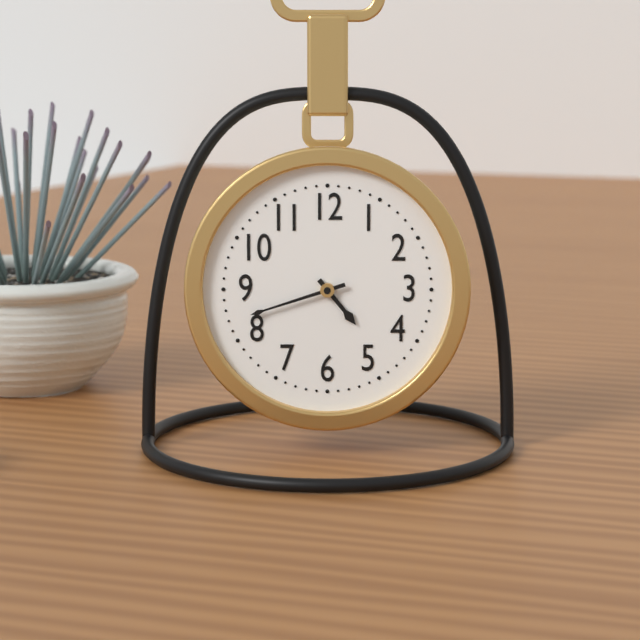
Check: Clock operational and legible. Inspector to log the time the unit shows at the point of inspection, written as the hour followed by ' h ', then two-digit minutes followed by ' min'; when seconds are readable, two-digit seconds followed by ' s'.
4 h 42 min
